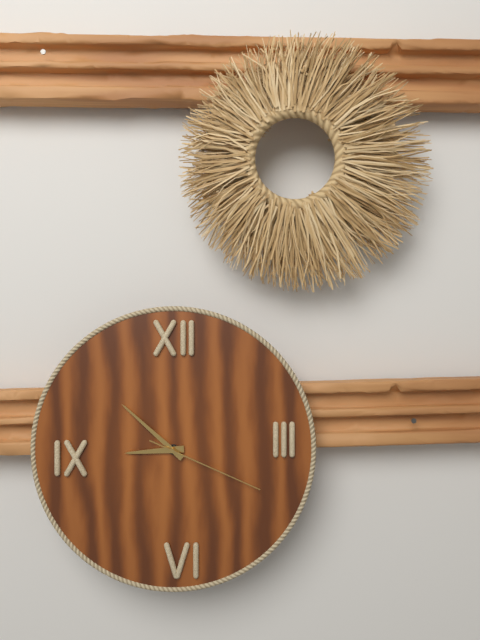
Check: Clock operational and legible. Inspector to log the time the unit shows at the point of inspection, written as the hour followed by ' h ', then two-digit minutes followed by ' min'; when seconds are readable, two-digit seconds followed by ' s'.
8 h 52 min 19 s
